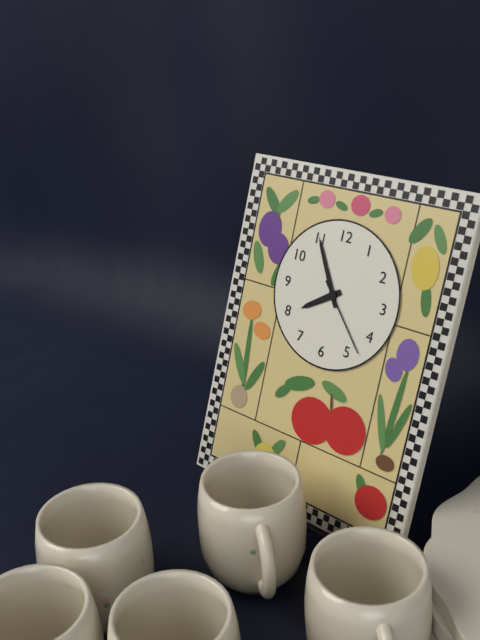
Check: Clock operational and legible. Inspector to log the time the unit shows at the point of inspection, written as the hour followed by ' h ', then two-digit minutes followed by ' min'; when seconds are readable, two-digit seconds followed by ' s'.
7 h 55 min 23 s
